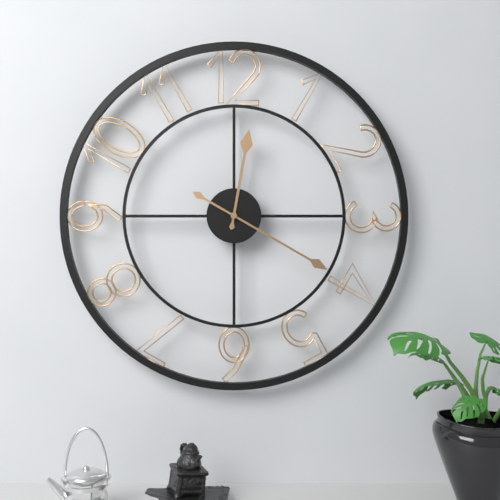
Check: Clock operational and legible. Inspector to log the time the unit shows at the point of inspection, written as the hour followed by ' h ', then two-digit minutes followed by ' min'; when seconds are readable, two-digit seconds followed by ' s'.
12 h 20 min
